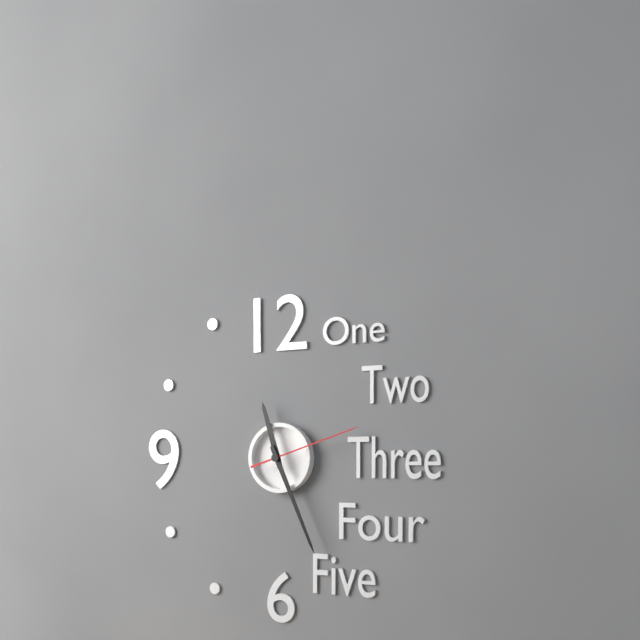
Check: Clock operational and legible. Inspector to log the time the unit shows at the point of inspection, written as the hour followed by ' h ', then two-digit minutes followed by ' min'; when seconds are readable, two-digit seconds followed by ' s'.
11 h 26 min 12 s
